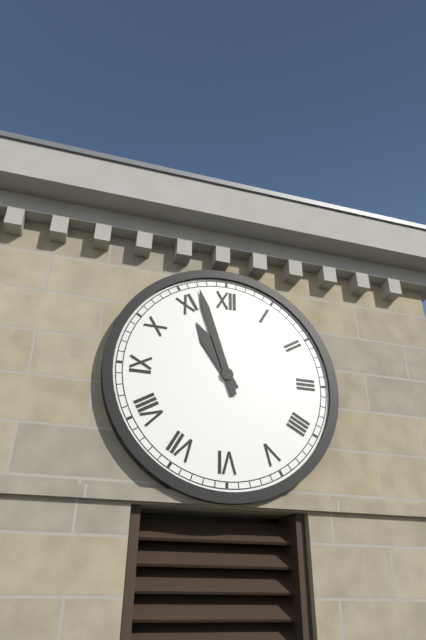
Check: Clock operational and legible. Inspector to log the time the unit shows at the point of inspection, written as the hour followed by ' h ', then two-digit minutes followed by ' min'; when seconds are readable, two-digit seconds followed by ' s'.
10 h 57 min
